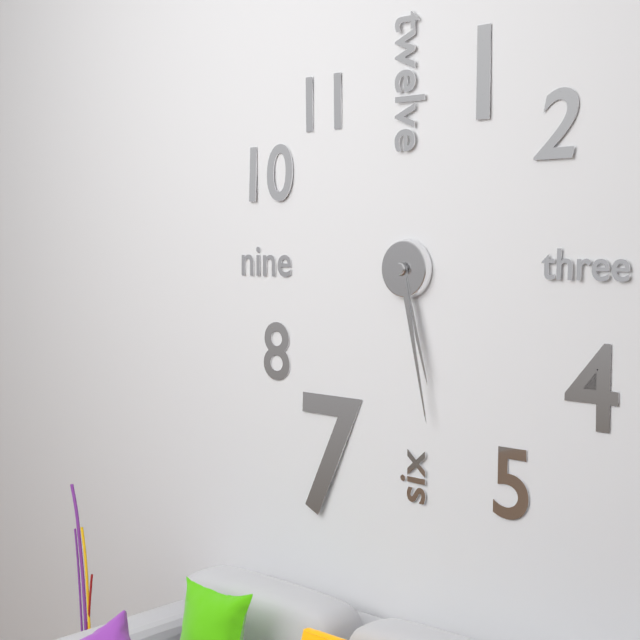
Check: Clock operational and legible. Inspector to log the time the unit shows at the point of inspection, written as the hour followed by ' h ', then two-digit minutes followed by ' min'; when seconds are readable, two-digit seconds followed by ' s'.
5 h 28 min
